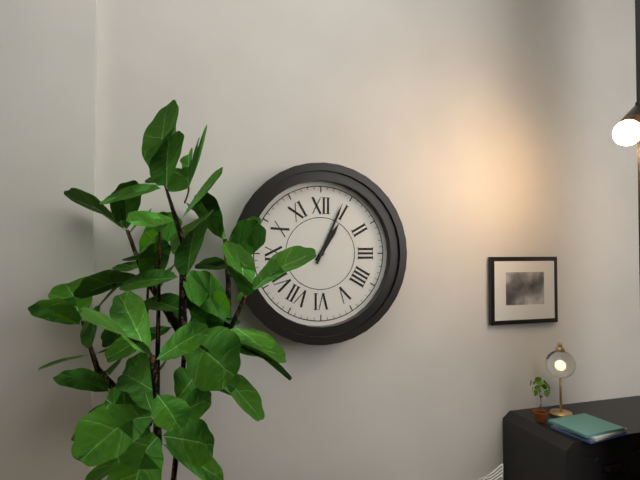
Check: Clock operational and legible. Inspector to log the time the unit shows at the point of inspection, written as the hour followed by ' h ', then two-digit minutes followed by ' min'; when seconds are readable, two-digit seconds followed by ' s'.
1 h 04 min
